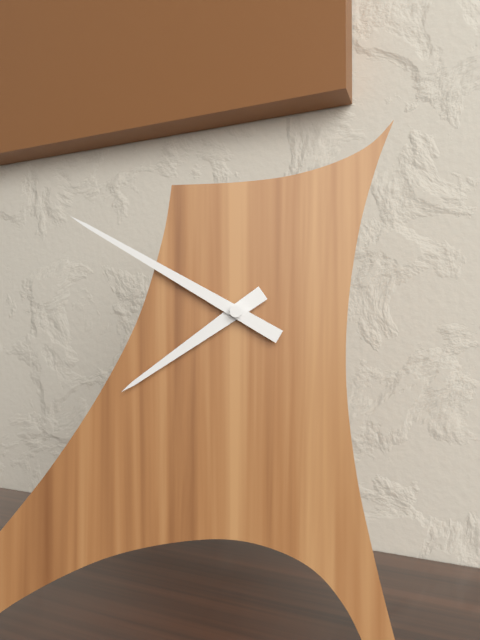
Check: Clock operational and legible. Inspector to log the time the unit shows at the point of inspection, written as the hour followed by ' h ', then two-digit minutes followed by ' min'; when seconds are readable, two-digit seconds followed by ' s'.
7 h 50 min
